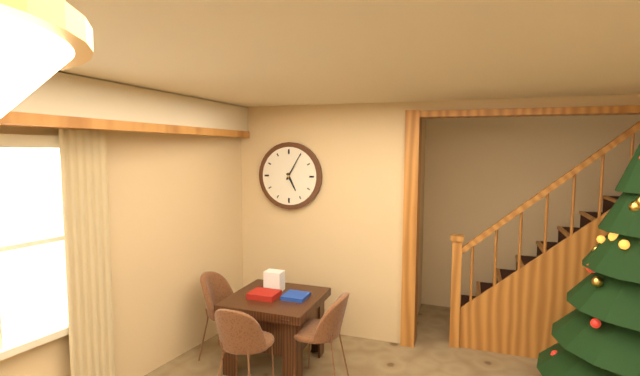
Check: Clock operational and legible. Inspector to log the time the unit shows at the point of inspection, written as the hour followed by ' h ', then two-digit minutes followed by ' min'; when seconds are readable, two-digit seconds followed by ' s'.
5 h 05 min
